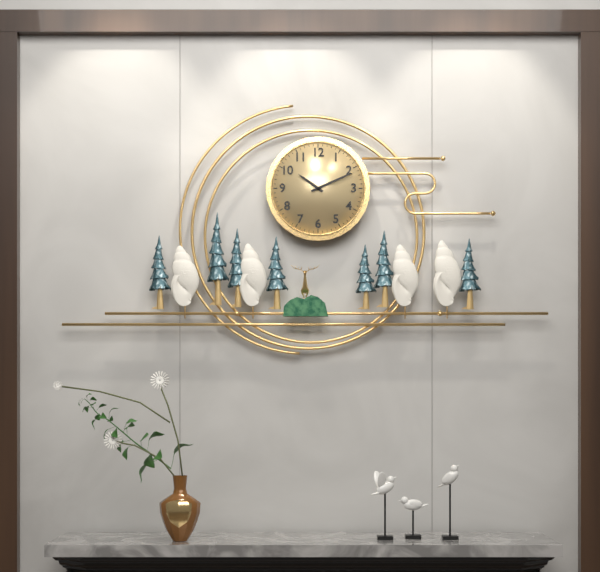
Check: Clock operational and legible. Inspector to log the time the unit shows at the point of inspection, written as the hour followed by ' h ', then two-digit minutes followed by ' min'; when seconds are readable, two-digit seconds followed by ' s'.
10 h 11 min
